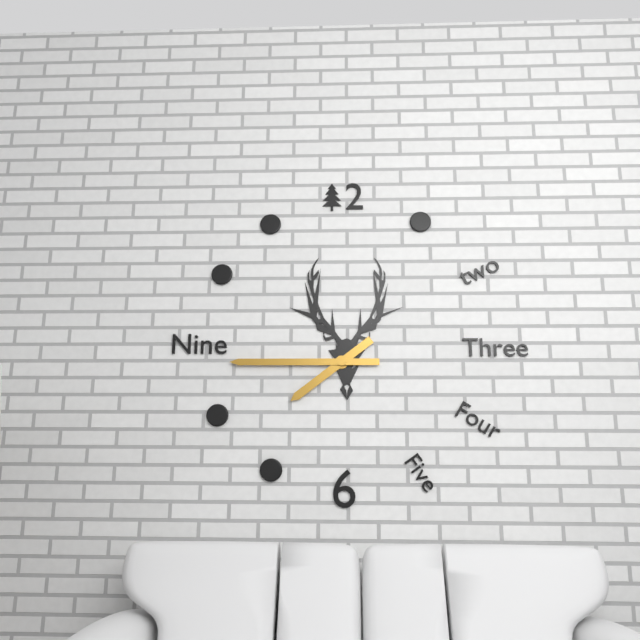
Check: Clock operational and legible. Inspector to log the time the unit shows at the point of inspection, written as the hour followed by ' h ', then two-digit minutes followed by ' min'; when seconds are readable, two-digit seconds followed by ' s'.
7 h 45 min
